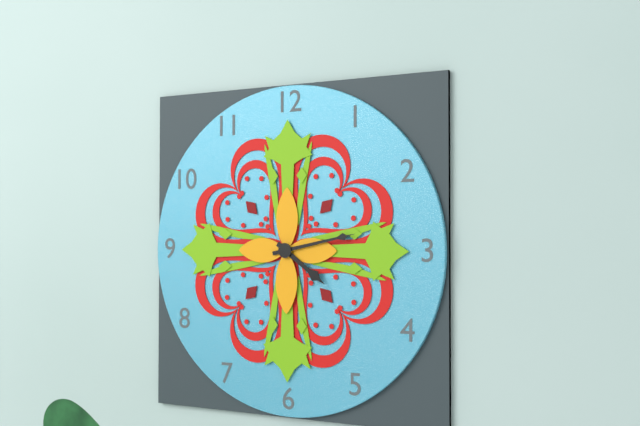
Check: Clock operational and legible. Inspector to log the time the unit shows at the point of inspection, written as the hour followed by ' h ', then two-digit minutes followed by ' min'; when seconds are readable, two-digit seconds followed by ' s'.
4 h 13 min
